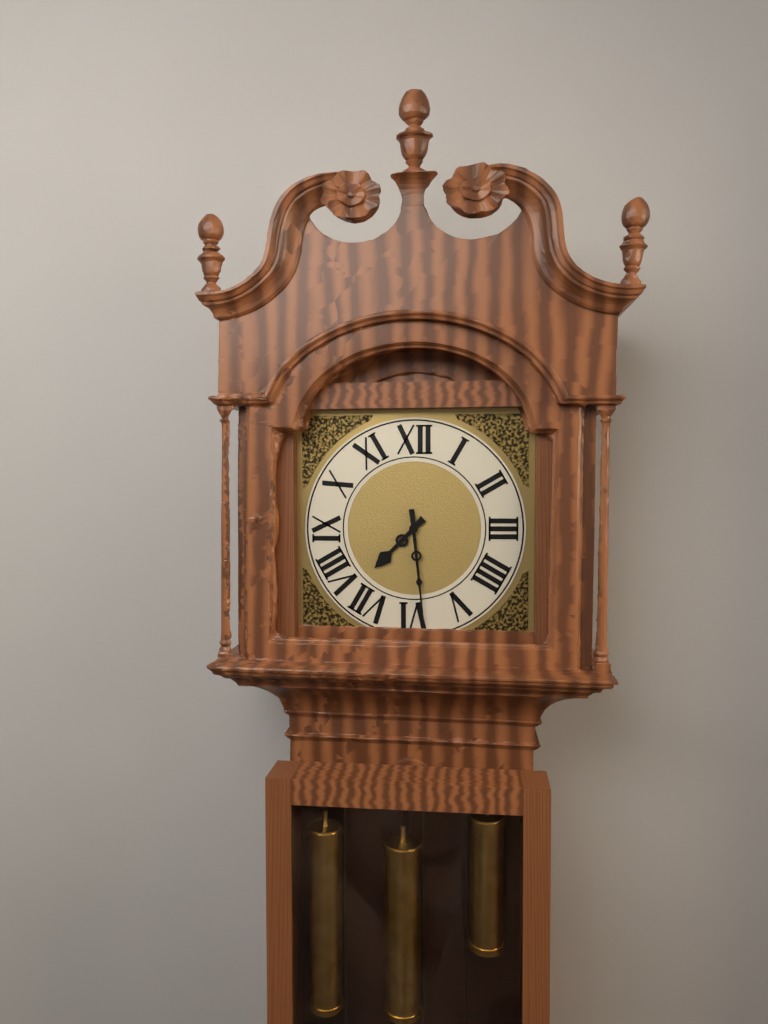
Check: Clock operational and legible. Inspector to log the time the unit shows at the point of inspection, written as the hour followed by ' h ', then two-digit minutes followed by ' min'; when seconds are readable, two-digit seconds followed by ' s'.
7 h 29 min
